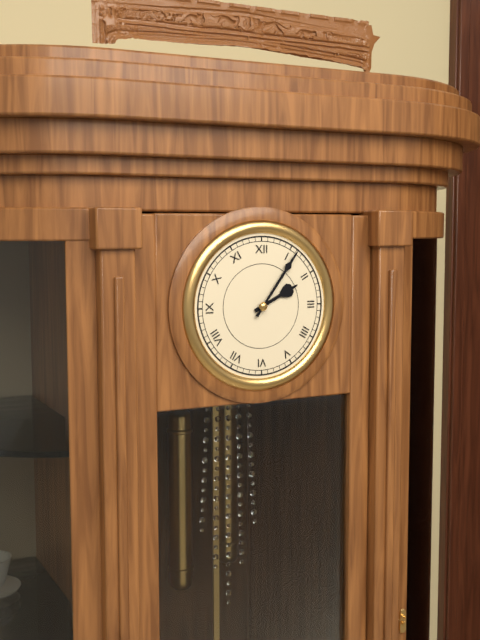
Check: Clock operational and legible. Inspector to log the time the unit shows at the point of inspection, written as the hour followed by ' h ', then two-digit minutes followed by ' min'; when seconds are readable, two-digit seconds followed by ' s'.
2 h 06 min
